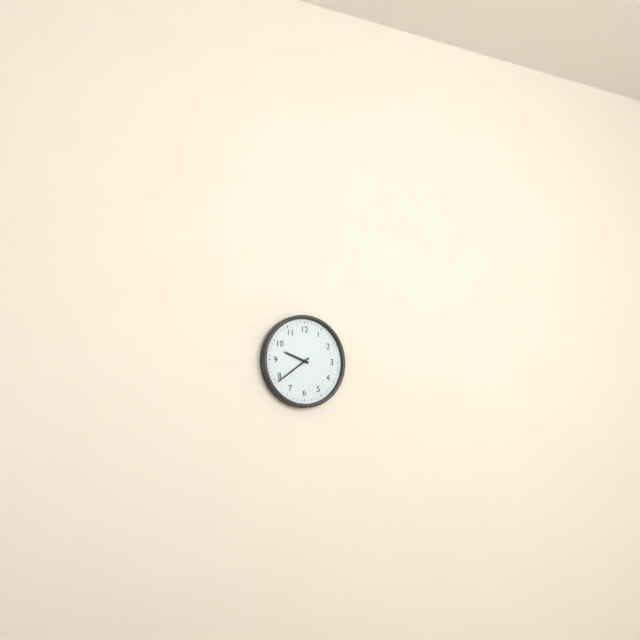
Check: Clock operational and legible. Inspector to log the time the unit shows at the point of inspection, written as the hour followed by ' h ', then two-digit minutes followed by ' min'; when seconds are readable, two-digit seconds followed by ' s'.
9 h 39 min
